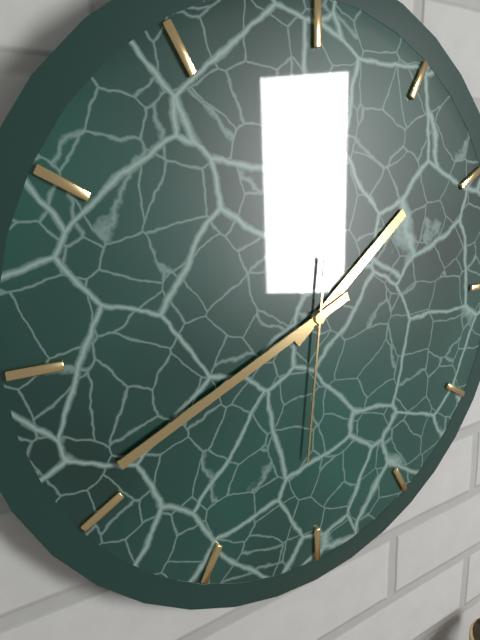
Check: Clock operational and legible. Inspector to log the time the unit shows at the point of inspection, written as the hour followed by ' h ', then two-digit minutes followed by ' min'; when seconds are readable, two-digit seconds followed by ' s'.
1 h 41 min 31 s
